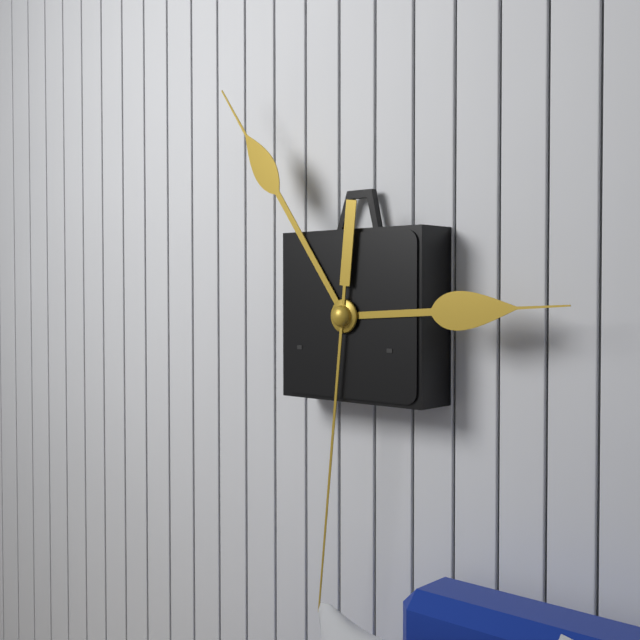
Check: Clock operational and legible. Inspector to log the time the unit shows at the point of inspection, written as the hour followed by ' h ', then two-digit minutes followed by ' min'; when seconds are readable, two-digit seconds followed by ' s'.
2 h 54 min 31 s
